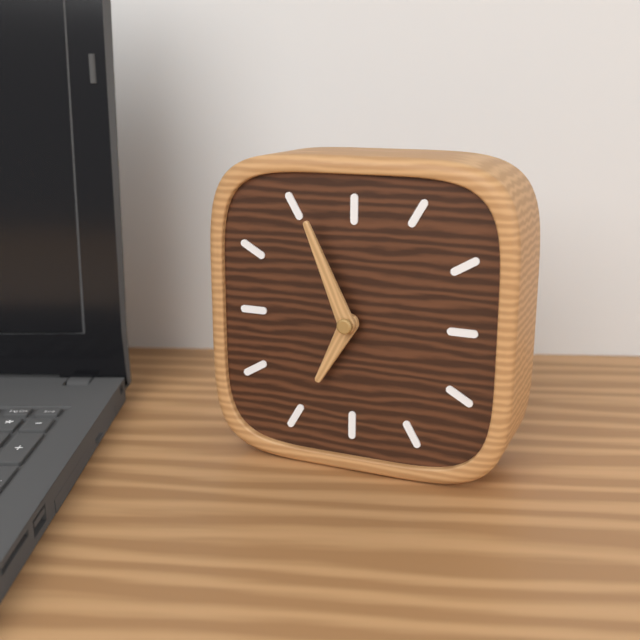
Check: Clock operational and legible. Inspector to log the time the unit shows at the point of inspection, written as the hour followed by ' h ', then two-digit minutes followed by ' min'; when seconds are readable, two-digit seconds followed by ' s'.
6 h 56 min
